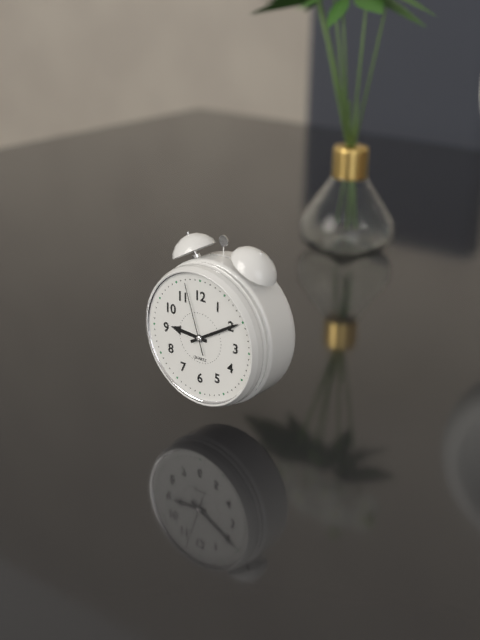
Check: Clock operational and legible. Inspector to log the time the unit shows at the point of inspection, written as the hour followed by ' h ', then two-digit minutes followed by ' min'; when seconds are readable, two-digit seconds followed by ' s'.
9 h 10 min 57 s
